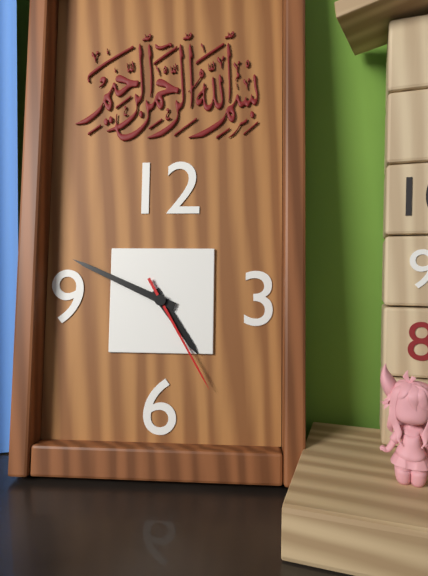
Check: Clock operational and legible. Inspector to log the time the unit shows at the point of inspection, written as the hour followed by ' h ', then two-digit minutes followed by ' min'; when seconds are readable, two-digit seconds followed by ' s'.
4 h 49 min 25 s
